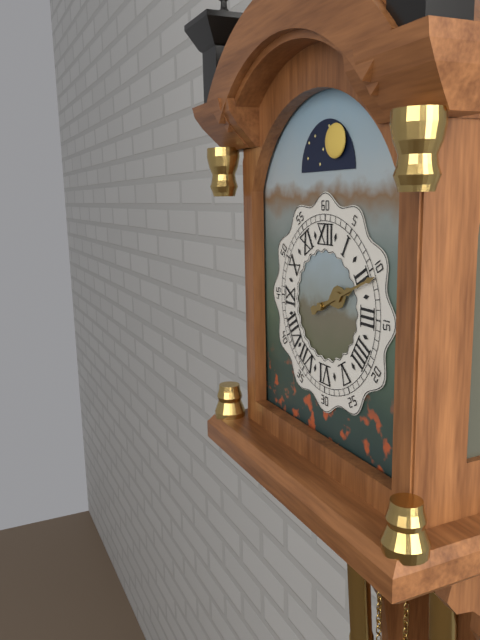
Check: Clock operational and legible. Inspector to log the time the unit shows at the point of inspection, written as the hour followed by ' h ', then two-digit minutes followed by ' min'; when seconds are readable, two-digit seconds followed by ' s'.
2 h 11 min
